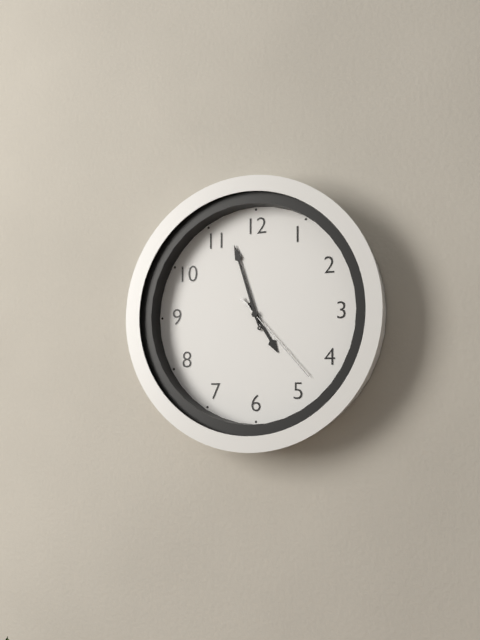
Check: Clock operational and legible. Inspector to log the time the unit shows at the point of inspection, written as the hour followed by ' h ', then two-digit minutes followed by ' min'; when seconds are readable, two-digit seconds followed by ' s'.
4 h 57 min 23 s
